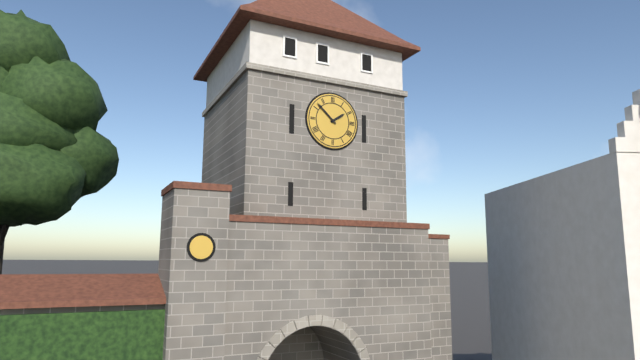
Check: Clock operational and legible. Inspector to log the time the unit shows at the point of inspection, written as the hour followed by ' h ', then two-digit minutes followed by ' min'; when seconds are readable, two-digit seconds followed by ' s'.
1 h 52 min
